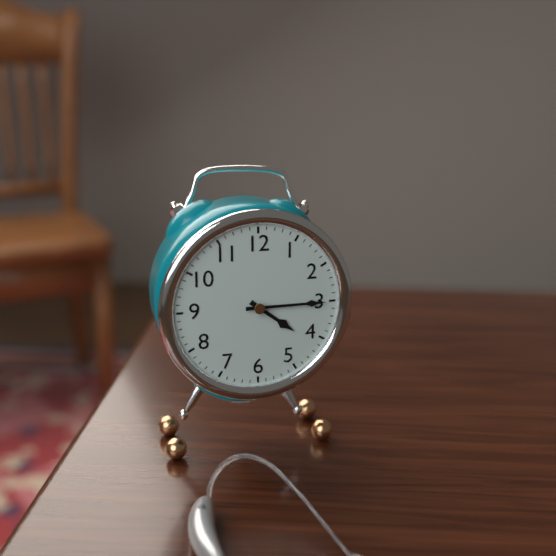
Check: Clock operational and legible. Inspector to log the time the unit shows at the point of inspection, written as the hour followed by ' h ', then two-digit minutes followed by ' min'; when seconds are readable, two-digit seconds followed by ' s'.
4 h 15 min
